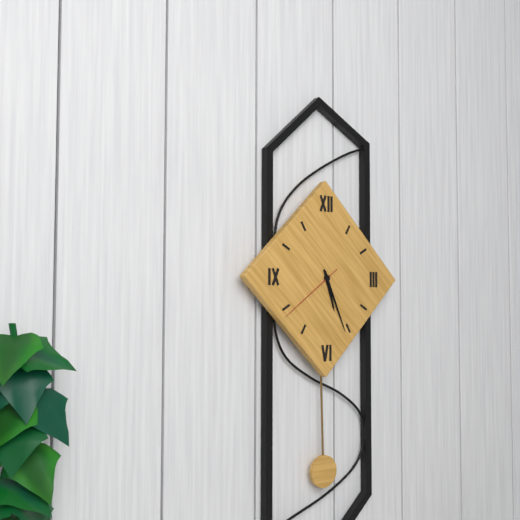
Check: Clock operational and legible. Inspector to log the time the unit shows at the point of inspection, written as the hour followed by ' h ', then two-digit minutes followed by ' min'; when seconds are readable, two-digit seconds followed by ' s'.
5 h 26 min 39 s
